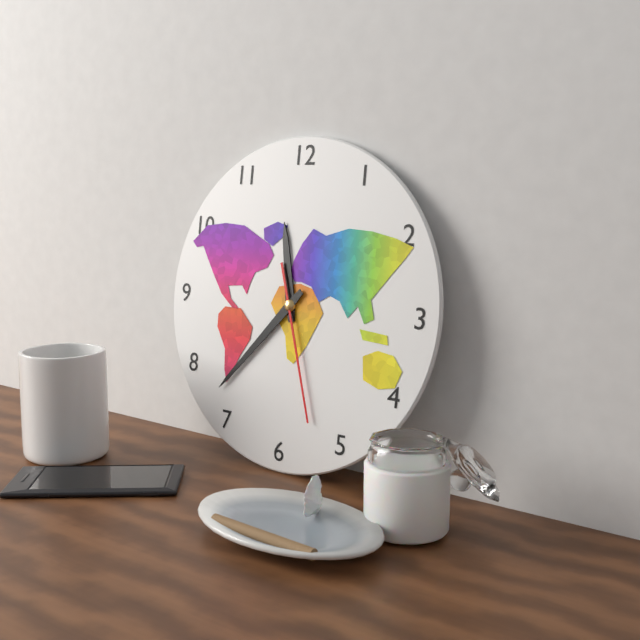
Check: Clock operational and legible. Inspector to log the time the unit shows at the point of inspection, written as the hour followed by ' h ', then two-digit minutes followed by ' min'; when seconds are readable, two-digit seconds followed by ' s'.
11 h 37 min 27 s
